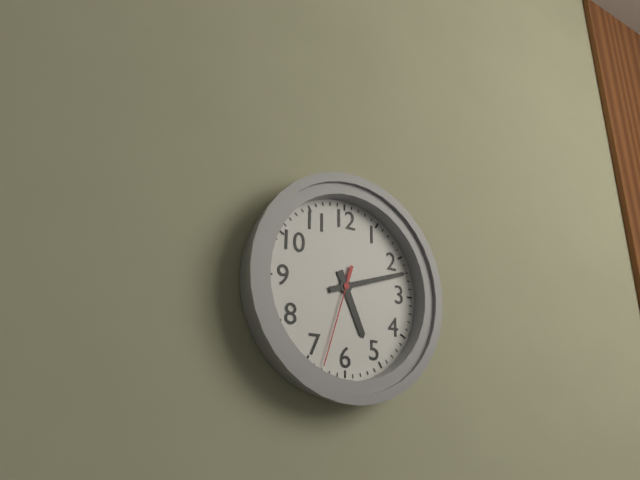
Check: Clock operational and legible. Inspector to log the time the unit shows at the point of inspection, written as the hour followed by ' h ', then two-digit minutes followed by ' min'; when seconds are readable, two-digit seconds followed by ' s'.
5 h 12 min 33 s
